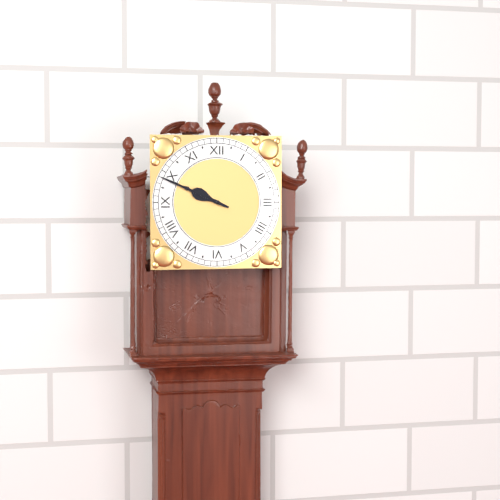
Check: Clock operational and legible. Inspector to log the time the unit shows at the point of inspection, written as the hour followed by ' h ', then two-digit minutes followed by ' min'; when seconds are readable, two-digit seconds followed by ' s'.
9 h 49 min
